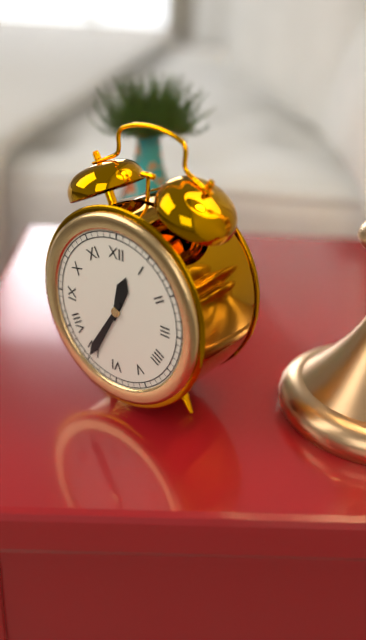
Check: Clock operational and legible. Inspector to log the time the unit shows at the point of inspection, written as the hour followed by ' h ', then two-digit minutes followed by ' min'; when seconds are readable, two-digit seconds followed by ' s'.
12 h 35 min
